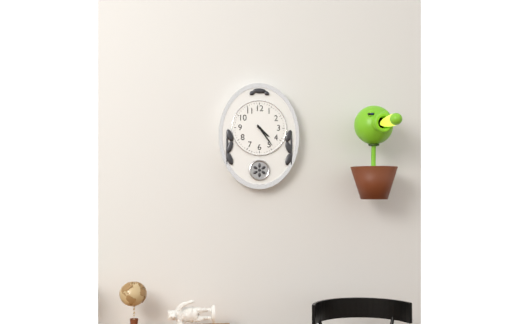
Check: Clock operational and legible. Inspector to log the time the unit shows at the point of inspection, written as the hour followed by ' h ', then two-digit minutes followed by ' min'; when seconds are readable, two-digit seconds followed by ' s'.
4 h 24 min
